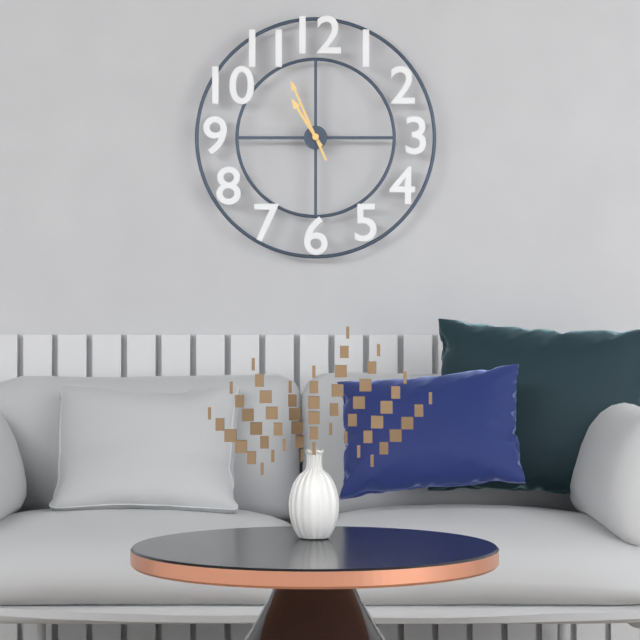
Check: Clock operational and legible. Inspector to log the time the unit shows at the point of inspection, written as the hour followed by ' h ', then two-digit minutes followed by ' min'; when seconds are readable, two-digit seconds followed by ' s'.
10 h 56 min
